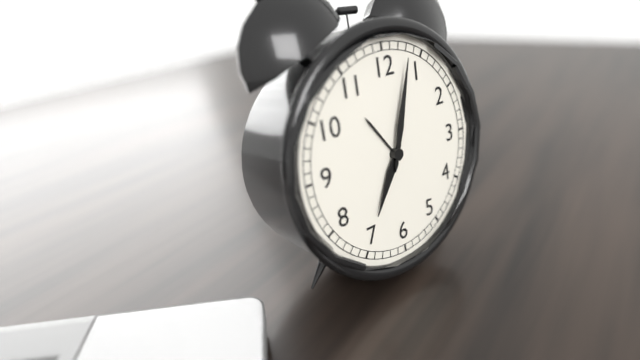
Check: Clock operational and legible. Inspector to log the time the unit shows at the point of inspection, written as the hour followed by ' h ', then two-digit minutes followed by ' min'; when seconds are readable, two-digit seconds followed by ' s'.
7 h 03 min
